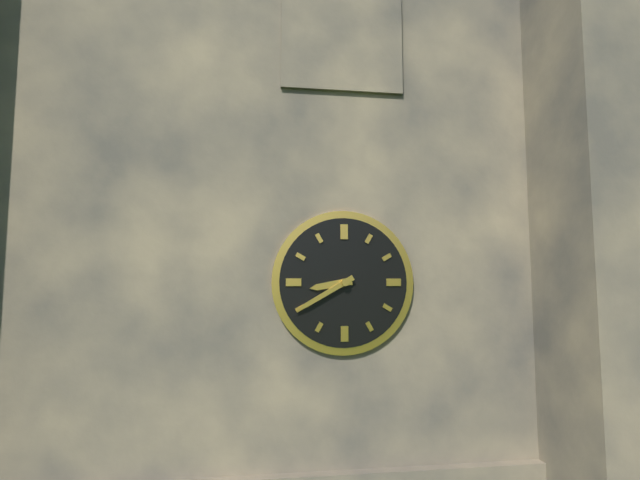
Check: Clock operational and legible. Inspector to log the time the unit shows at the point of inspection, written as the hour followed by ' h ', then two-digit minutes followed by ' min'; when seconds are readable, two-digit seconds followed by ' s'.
8 h 40 min
